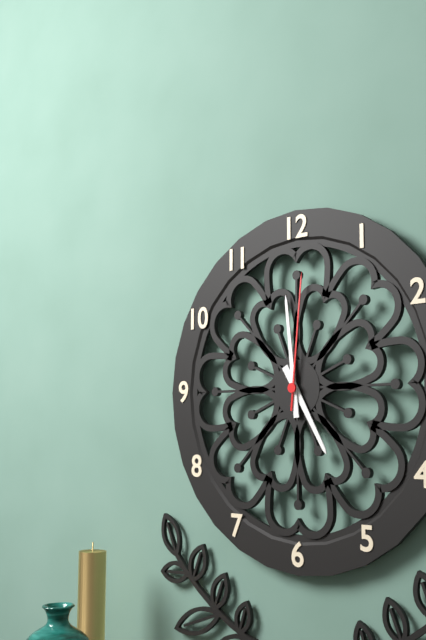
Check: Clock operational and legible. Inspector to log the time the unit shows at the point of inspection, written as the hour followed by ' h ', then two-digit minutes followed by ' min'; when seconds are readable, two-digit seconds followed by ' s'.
4 h 59 min 01 s
